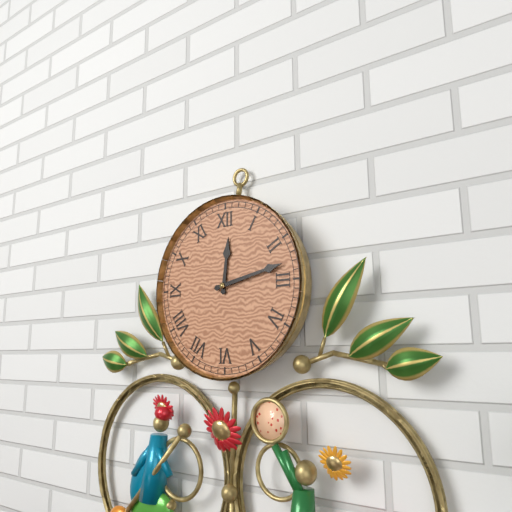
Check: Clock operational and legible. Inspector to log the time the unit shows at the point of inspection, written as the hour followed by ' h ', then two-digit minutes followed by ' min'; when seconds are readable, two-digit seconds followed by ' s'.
12 h 13 min
